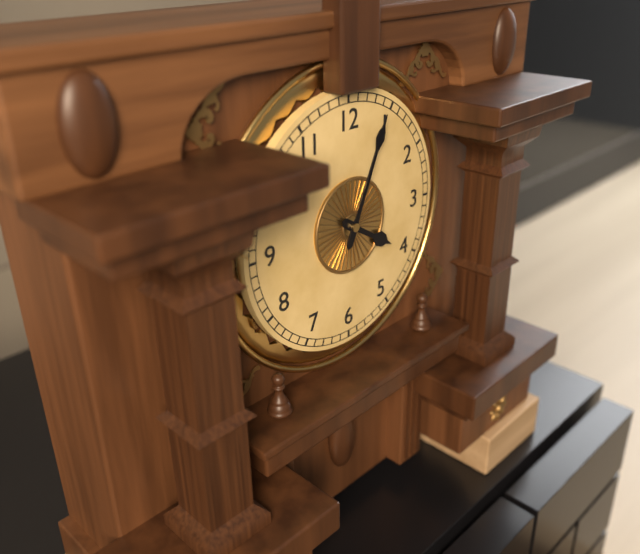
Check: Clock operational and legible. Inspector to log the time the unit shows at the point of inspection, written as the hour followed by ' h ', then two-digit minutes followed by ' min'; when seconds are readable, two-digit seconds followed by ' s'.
4 h 04 min
